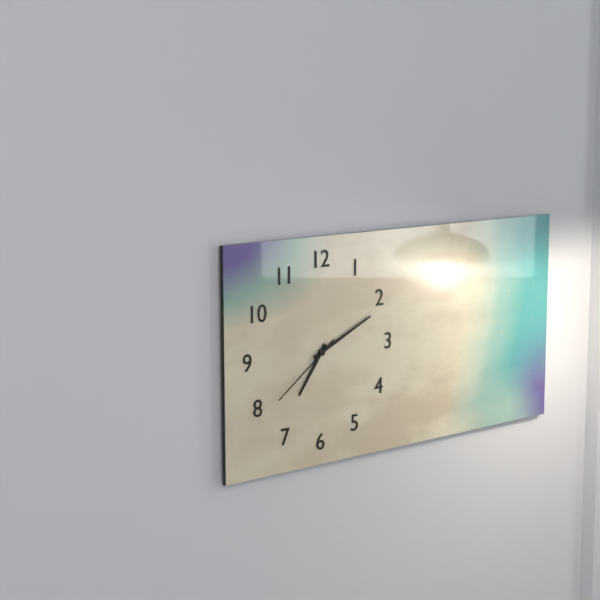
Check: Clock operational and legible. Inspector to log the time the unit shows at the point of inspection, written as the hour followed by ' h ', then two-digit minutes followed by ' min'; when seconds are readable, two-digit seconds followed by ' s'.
7 h 11 min 39 s
